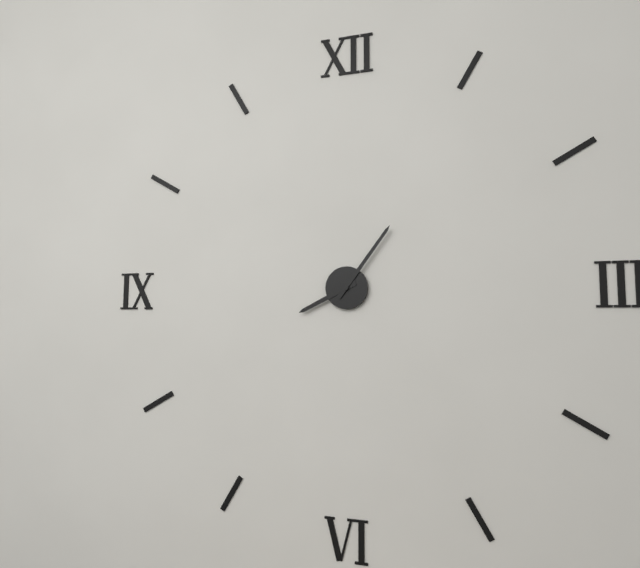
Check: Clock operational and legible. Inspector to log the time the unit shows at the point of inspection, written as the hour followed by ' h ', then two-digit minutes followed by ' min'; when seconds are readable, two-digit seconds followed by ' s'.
8 h 06 min
